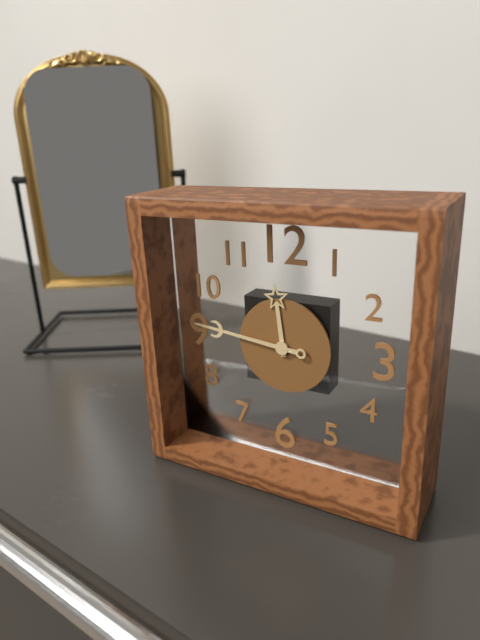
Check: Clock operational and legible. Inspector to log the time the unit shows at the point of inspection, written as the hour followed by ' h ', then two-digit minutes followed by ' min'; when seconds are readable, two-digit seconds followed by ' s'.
11 h 46 min
